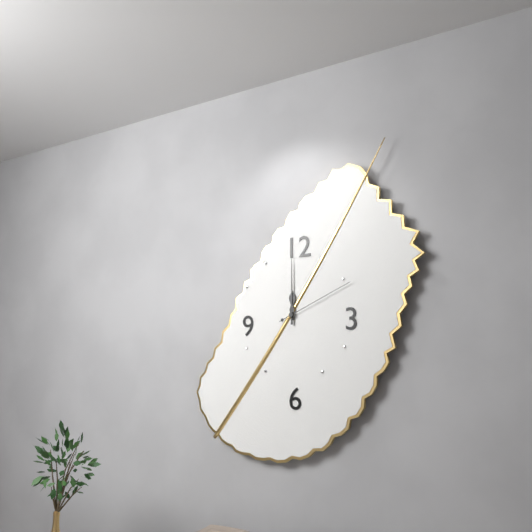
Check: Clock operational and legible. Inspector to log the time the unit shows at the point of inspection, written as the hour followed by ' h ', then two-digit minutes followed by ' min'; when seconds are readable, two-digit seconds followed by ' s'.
12 h 00 min 11 s
